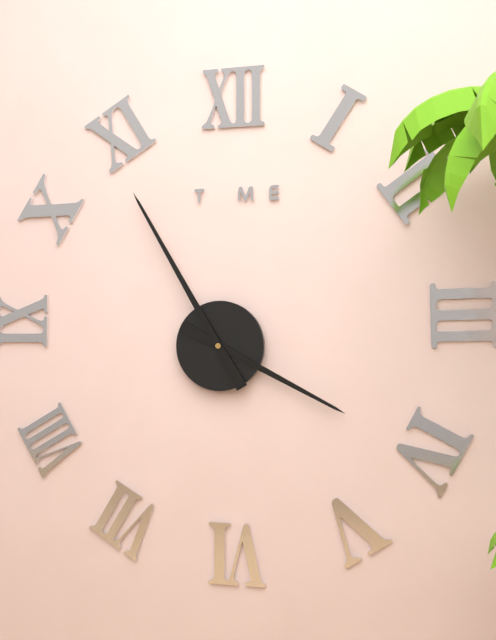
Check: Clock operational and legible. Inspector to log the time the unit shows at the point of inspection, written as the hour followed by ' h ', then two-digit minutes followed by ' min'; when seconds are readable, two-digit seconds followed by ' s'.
3 h 55 min
